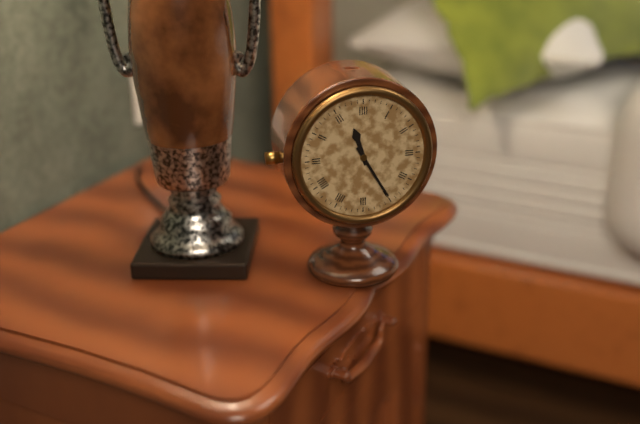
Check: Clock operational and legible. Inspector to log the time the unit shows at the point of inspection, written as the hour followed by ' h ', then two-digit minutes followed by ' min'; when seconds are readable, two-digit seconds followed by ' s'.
11 h 25 min
